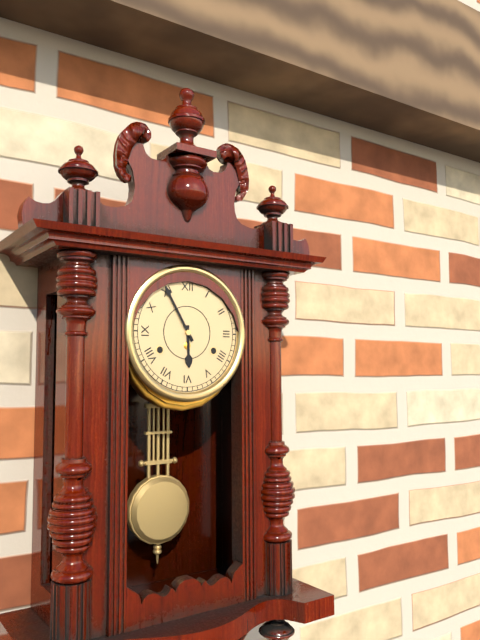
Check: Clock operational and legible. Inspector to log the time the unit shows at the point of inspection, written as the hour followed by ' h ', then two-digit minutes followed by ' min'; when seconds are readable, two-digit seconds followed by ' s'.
5 h 55 min
